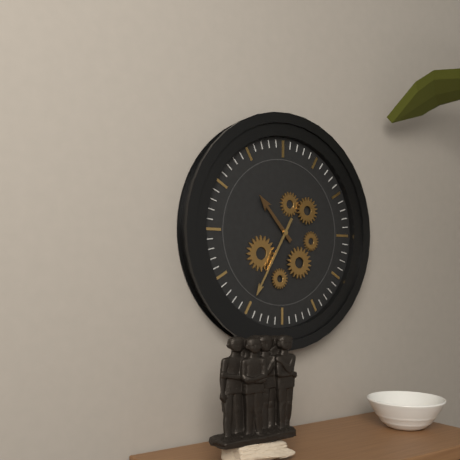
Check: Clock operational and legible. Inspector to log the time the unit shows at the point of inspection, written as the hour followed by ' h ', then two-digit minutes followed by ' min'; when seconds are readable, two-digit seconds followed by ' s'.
10 h 35 min
